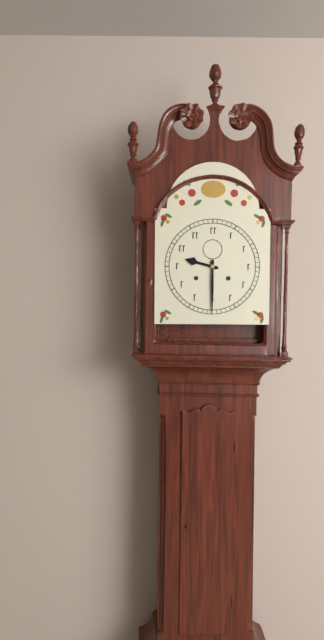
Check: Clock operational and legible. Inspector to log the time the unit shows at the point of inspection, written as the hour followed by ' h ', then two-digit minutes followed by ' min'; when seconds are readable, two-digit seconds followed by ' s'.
9 h 30 min
